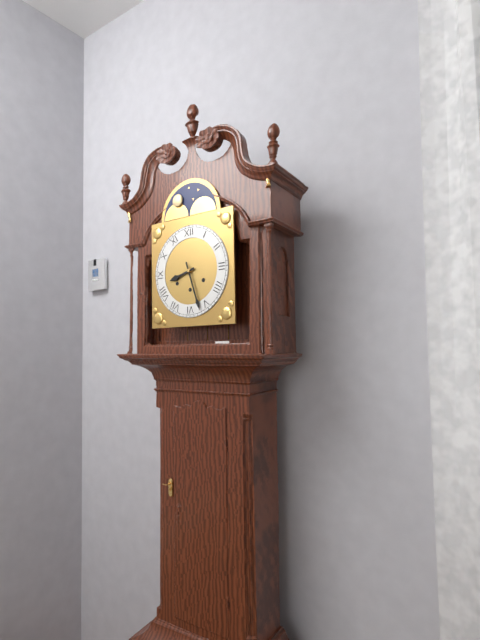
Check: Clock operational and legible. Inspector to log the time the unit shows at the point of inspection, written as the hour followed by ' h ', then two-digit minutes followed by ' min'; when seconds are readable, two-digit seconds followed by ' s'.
8 h 27 min
